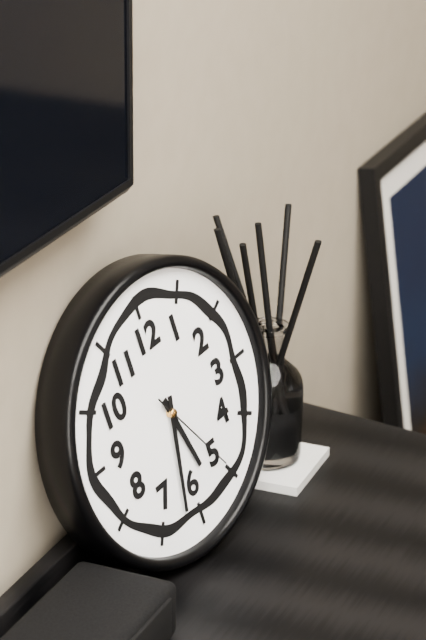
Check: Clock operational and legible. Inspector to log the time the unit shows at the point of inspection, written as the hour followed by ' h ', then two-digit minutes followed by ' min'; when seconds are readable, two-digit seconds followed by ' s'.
5 h 32 min 25 s
